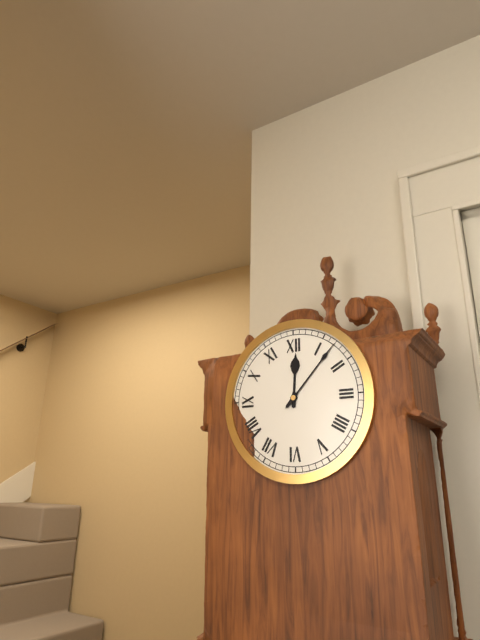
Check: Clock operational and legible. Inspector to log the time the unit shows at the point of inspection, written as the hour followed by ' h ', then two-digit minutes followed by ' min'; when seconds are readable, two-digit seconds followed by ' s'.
12 h 07 min
